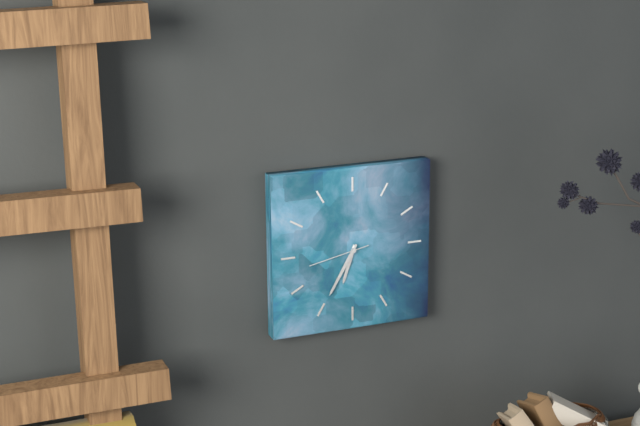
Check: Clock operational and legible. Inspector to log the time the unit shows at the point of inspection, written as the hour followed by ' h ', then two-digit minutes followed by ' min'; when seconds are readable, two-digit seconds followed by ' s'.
6 h 35 min 43 s
